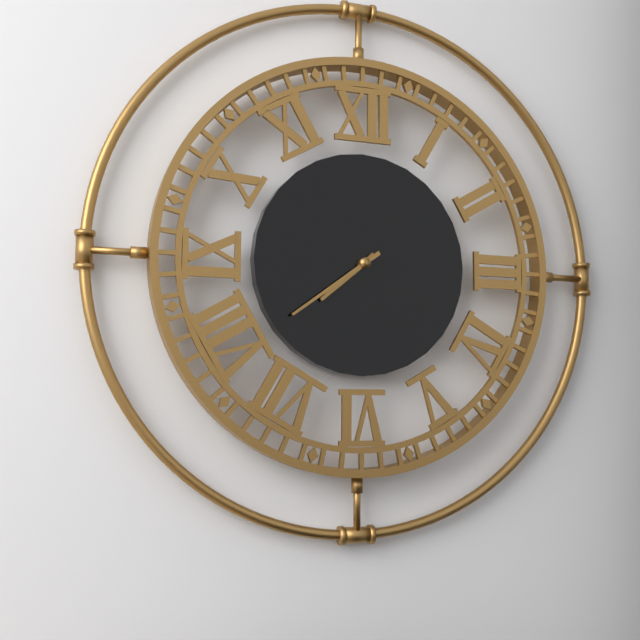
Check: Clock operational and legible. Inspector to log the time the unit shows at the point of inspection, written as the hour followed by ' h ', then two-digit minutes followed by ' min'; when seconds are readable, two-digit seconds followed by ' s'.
7 h 39 min
